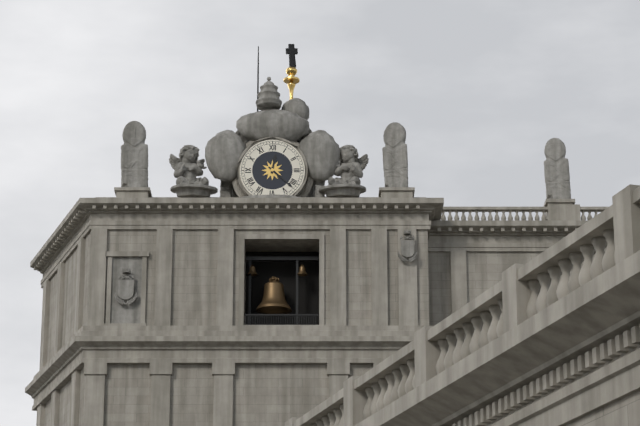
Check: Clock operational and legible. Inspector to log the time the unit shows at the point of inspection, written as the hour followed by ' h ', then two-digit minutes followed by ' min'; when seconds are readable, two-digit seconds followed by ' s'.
12 h 22 min
